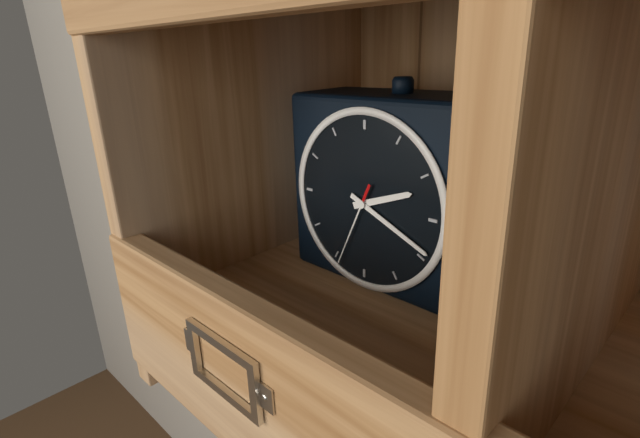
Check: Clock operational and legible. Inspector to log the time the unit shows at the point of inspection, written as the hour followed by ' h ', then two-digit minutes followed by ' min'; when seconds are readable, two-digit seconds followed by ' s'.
2 h 19 min 34 s
